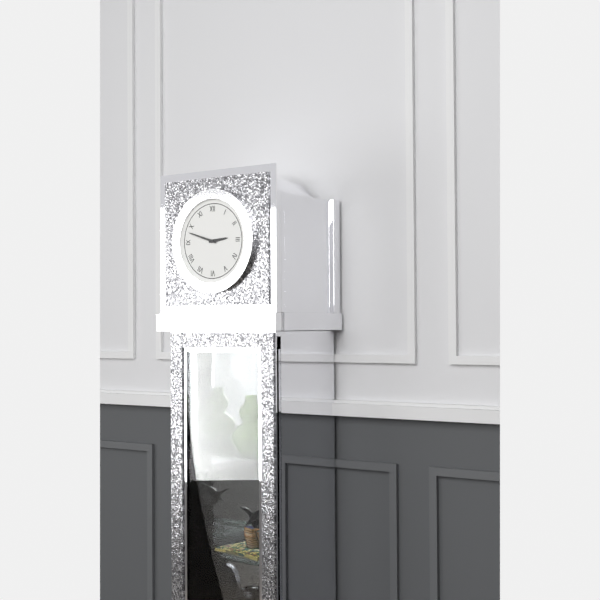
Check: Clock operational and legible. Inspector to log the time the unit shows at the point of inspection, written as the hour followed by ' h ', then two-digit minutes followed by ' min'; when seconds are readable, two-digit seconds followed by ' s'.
2 h 48 min
